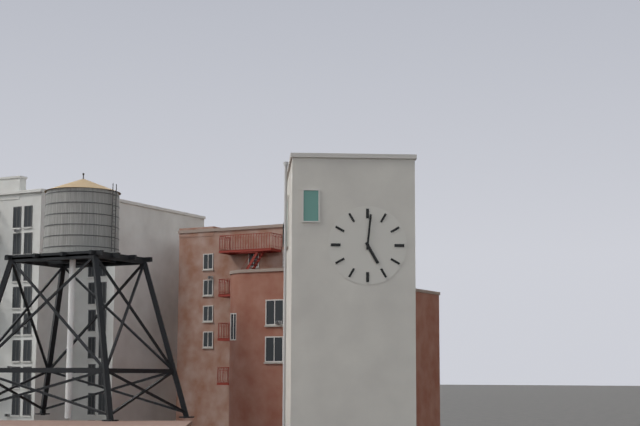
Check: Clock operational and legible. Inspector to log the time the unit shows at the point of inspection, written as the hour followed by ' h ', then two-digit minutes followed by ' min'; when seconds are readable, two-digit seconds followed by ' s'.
5 h 01 min
